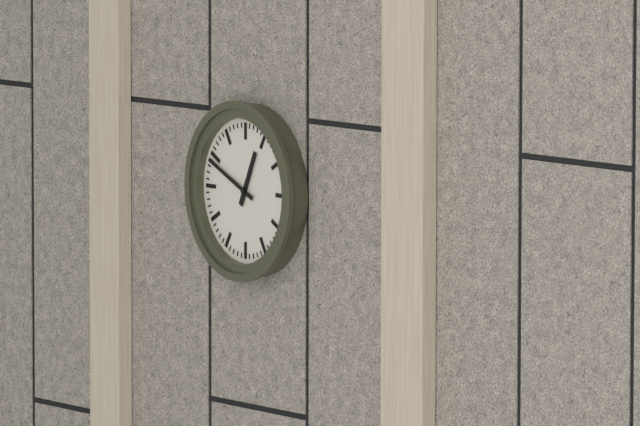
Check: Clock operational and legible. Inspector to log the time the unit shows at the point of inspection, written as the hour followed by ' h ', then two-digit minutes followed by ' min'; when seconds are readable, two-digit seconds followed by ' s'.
12 h 49 min
